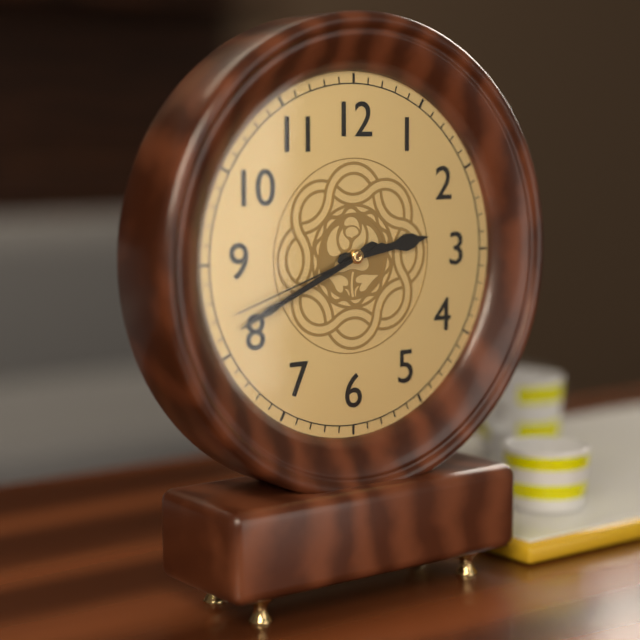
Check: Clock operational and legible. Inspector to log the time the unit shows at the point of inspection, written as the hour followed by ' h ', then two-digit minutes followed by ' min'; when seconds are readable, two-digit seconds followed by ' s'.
2 h 41 min 42 s
